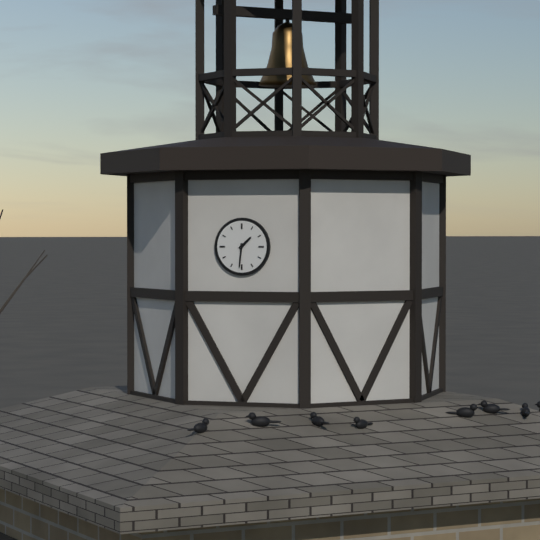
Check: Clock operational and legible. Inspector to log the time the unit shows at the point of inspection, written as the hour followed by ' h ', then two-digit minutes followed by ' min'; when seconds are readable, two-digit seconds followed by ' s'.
1 h 31 min
